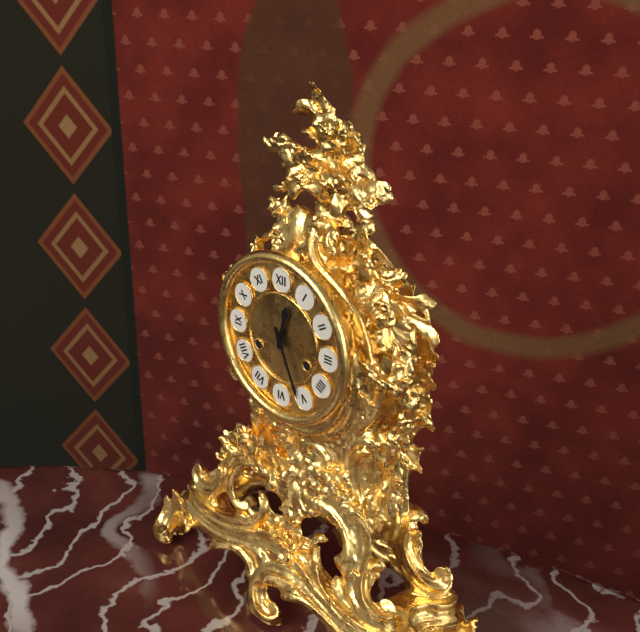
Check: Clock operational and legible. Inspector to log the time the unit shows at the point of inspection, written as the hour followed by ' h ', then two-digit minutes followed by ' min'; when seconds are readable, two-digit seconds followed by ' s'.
12 h 26 min
